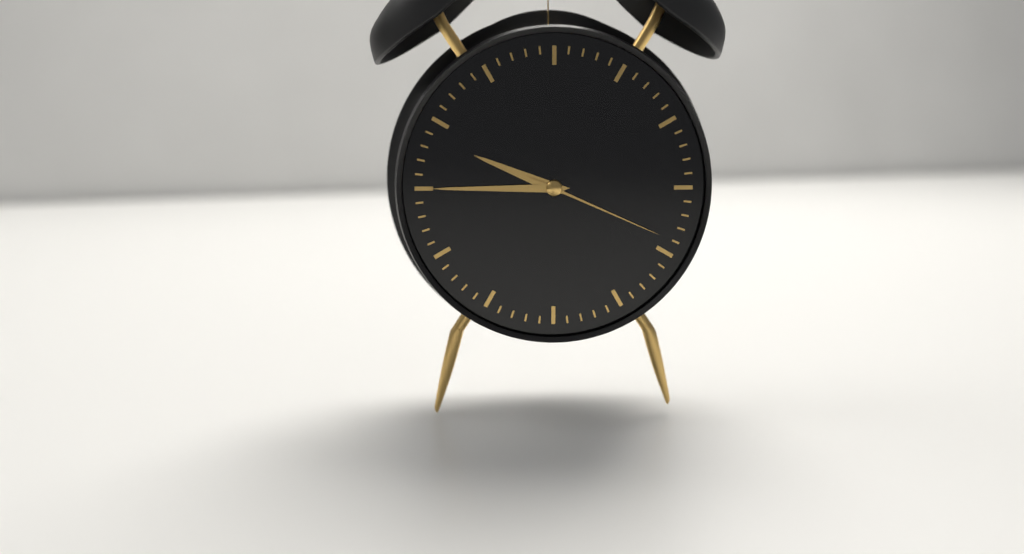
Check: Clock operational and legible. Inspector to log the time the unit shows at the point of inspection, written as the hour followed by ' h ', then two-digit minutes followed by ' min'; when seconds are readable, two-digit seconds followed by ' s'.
9 h 45 min 19 s
